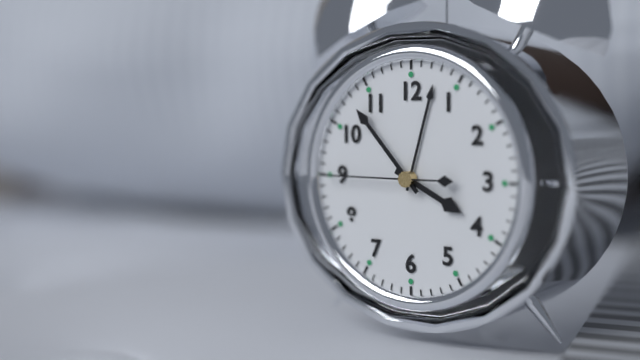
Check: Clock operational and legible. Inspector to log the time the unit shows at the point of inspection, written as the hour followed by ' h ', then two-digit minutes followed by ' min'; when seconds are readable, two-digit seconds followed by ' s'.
3 h 53 min 45 s
